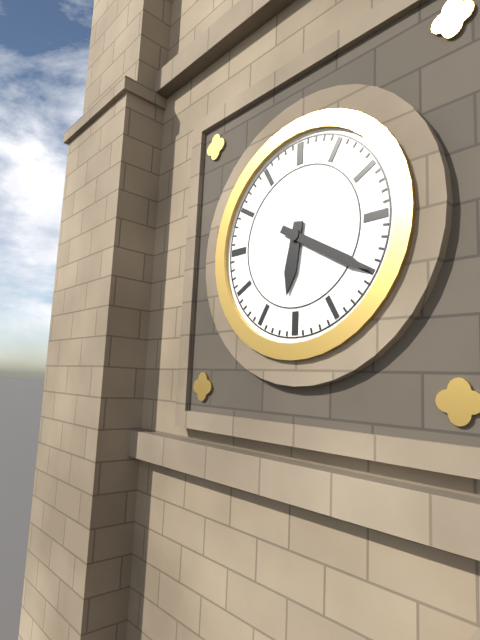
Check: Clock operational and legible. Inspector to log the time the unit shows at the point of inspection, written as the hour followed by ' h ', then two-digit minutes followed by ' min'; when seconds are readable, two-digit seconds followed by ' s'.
6 h 20 min
